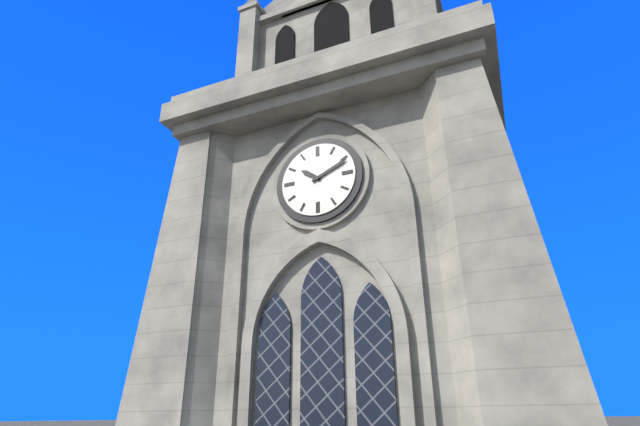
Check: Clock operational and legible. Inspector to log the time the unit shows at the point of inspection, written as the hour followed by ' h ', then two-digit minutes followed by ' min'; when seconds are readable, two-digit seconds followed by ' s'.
10 h 11 min
